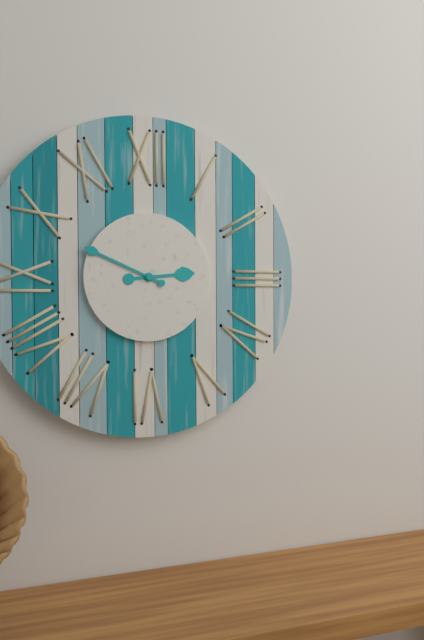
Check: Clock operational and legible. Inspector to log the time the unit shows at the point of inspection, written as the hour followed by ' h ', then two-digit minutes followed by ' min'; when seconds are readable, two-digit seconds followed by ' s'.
2 h 49 min
